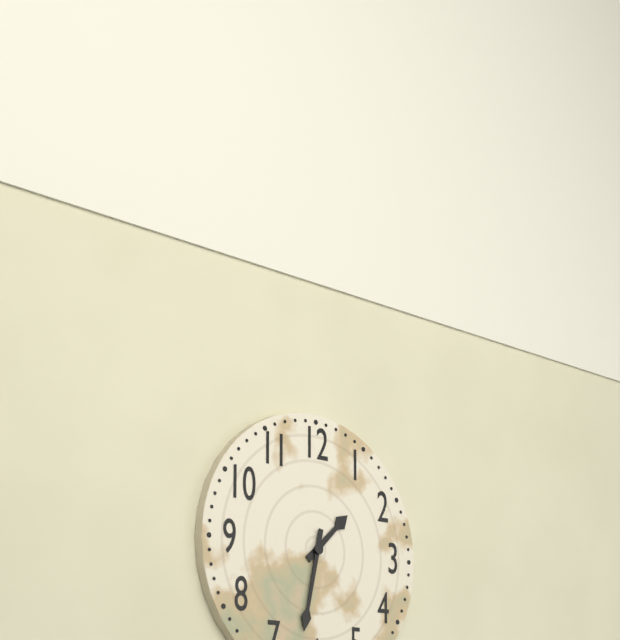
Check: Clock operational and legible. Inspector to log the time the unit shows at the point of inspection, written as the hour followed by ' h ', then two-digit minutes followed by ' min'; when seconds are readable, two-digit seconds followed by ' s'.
1 h 32 min
